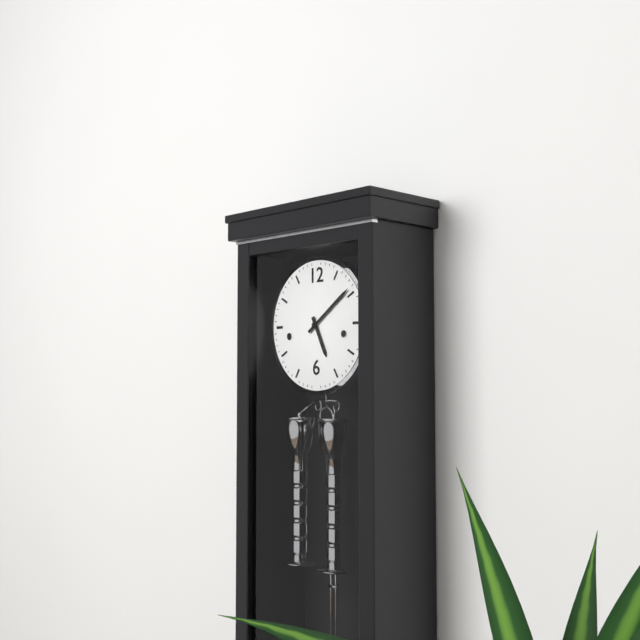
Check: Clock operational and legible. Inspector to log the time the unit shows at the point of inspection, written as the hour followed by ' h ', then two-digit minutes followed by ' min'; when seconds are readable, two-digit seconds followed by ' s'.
5 h 09 min
